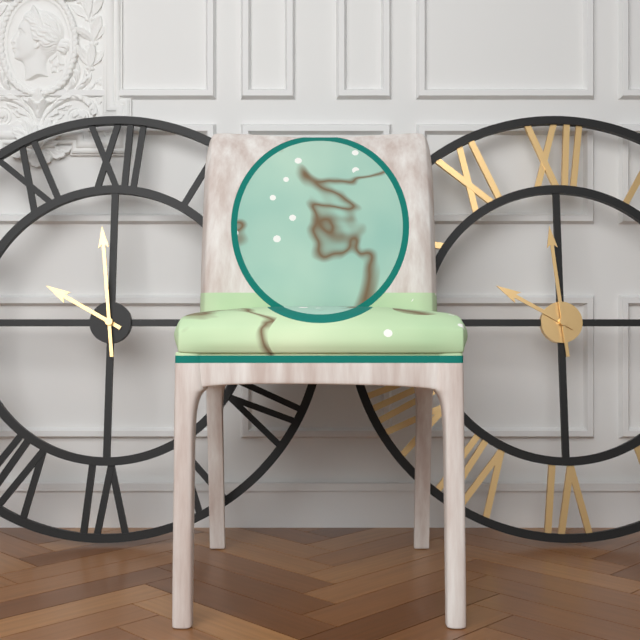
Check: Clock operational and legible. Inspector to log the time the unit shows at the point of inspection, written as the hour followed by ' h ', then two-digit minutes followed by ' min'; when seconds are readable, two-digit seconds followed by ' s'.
9 h 59 min
